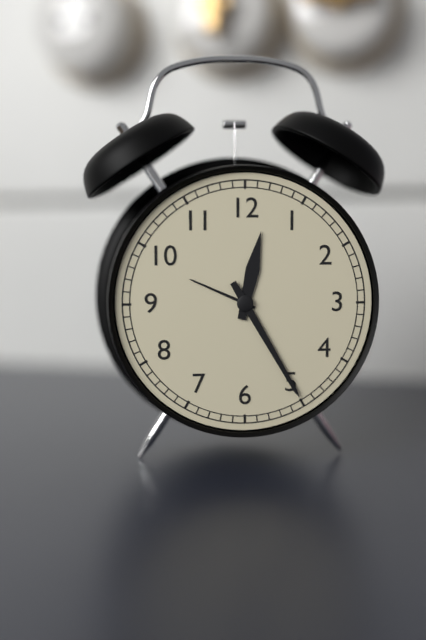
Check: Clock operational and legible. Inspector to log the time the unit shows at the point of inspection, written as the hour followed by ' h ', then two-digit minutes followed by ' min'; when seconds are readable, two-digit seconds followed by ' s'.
12 h 25 min
